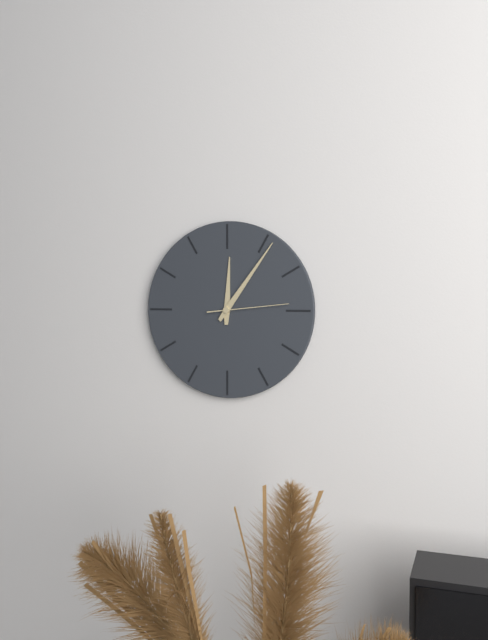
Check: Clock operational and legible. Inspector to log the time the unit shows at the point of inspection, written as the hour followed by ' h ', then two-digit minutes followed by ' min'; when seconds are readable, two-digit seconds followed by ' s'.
12 h 06 min 14 s
